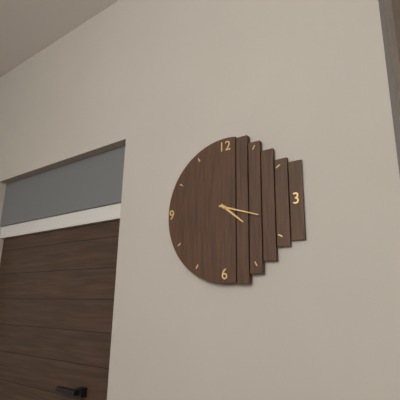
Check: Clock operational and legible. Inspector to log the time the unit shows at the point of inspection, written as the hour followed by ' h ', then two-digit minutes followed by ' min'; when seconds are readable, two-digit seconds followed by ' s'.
4 h 18 min
